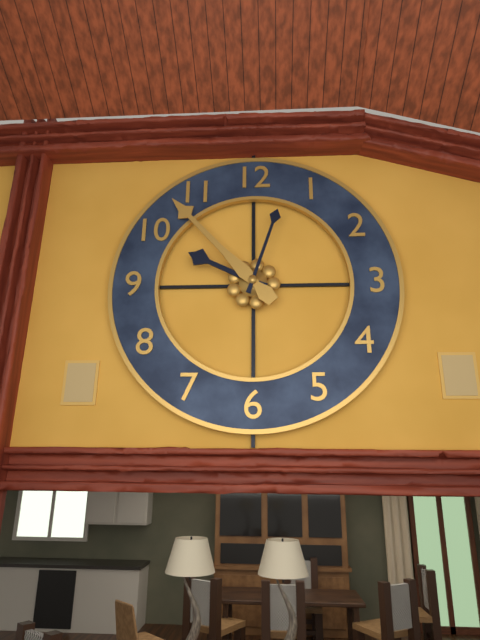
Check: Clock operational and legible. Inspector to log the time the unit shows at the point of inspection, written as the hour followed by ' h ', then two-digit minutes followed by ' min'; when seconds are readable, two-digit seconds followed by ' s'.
9 h 53 min 03 s
